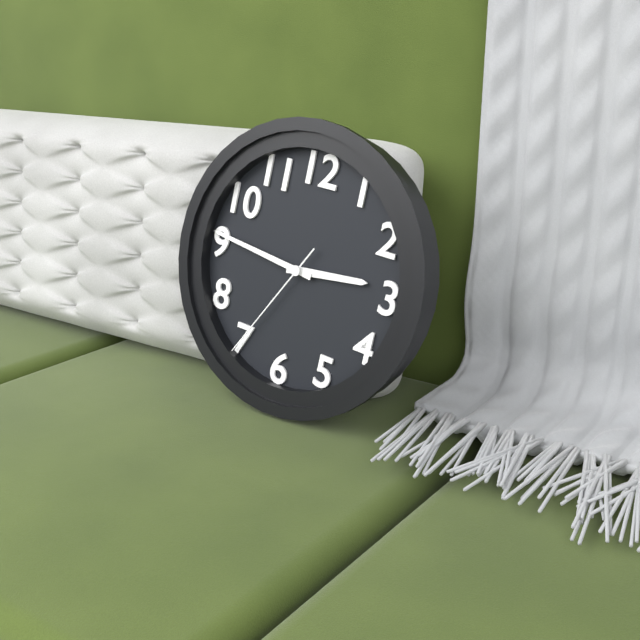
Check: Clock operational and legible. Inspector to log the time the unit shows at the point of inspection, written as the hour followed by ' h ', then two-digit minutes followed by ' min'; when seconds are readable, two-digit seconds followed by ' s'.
2 h 46 min 35 s
